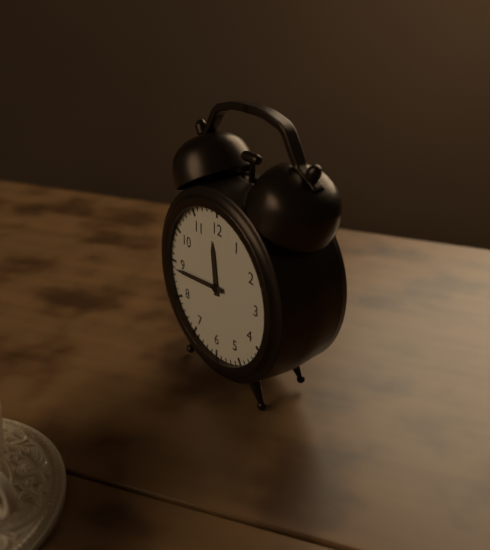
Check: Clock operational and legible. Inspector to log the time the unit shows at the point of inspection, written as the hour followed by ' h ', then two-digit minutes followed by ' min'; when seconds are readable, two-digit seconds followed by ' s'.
11 h 44 min
